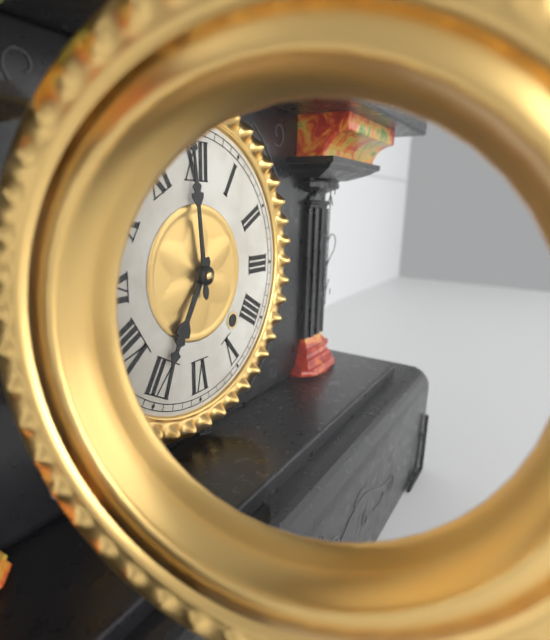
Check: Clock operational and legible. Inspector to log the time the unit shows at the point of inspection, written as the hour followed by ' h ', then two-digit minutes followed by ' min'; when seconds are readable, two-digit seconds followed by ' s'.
6 h 59 min
